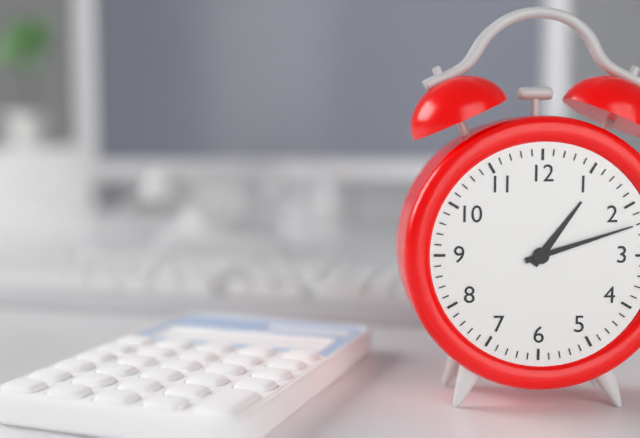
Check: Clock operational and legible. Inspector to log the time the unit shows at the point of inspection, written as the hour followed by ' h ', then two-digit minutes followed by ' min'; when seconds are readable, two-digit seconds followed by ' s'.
1 h 12 min
